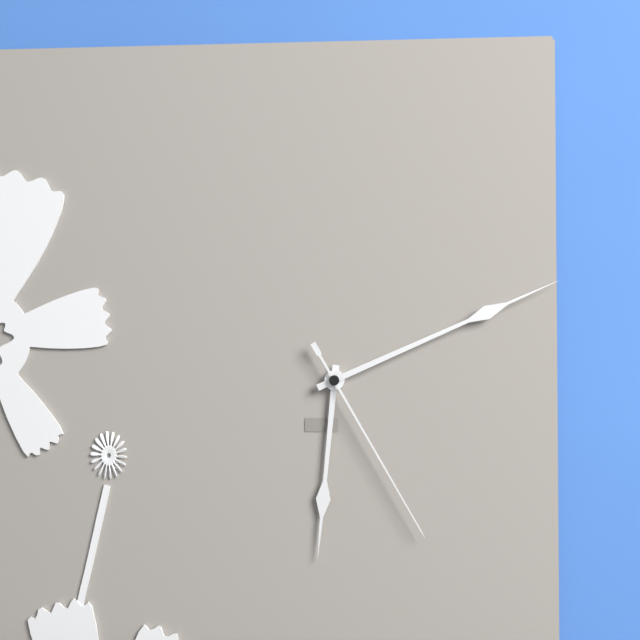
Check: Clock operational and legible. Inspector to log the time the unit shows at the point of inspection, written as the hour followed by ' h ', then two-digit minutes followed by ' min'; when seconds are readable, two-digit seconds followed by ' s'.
6 h 11 min 25 s
